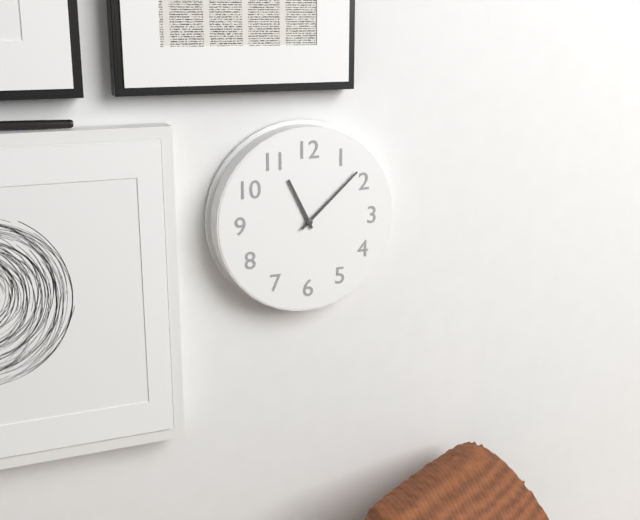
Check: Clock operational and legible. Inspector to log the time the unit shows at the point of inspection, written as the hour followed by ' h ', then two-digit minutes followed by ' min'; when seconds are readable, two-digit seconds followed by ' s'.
11 h 08 min
